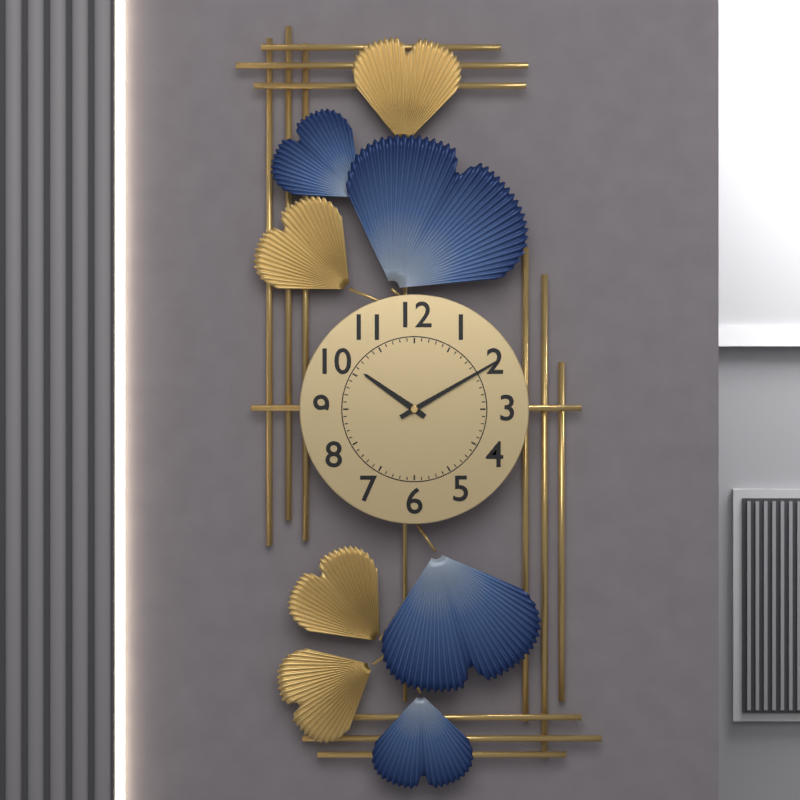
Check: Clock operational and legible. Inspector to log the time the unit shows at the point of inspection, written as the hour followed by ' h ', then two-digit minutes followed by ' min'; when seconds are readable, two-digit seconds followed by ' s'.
10 h 10 min
